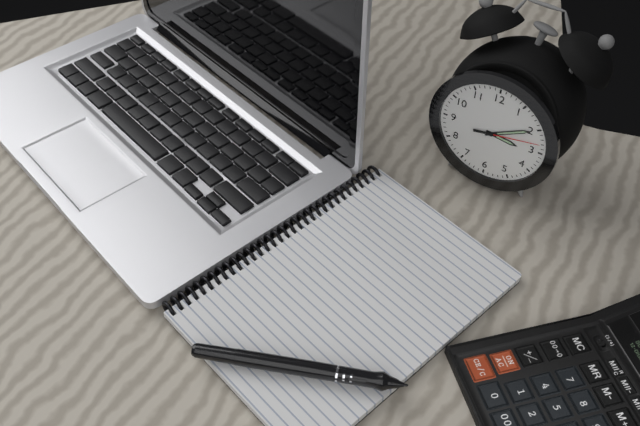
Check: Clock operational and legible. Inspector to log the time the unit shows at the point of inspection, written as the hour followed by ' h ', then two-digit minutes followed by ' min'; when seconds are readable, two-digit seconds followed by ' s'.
3 h 10 min 13 s
